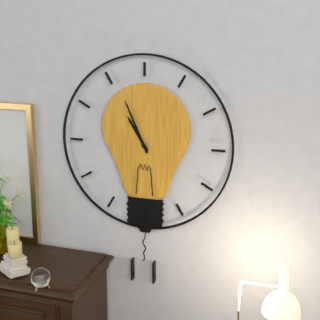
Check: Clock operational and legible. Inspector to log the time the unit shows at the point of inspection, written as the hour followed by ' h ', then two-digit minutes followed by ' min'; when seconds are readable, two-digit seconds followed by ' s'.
10 h 56 min
